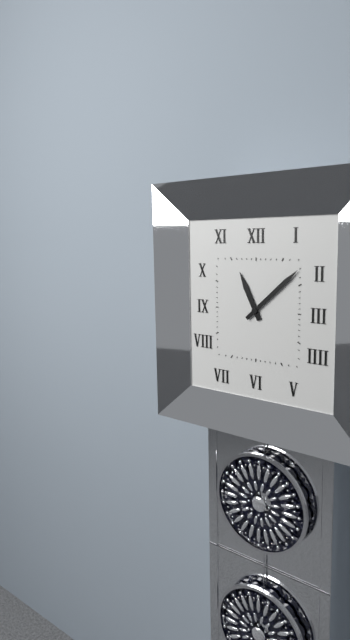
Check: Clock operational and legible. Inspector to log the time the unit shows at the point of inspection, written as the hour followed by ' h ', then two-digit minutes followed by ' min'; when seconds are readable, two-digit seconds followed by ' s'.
11 h 08 min
